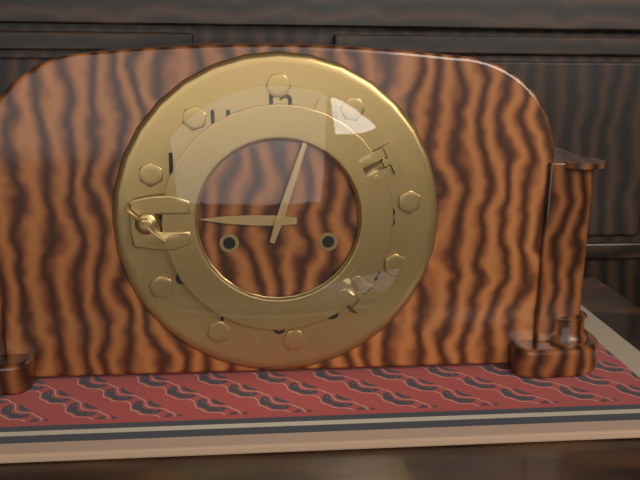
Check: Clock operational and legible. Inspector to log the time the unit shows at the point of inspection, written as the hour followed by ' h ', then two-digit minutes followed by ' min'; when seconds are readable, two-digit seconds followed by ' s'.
9 h 03 min
